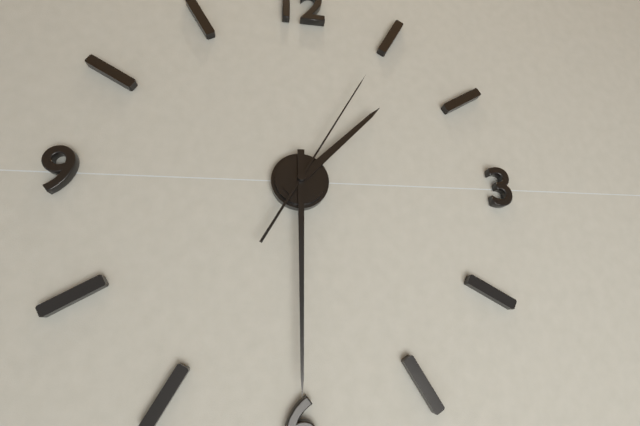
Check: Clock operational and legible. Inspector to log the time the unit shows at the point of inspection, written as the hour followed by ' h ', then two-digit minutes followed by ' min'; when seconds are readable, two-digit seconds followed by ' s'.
1 h 30 min 05 s
